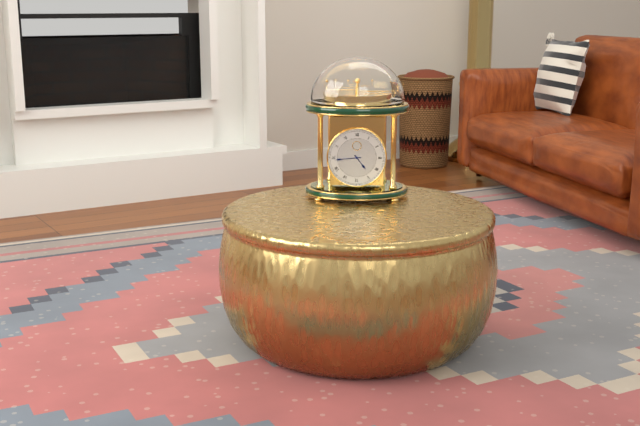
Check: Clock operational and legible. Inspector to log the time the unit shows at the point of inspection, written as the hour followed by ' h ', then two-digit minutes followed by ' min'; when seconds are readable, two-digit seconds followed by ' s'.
4 h 44 min
